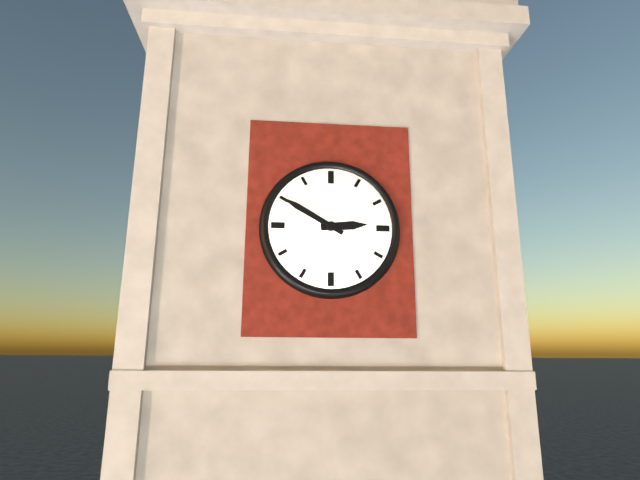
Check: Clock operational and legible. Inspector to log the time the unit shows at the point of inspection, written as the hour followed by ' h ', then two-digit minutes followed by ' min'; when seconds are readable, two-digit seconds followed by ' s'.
2 h 50 min
